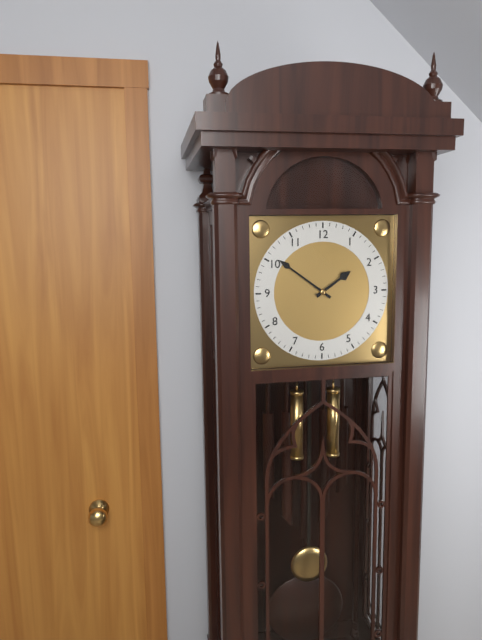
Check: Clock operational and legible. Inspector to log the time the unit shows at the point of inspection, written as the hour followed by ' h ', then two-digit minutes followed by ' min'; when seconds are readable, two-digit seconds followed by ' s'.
1 h 51 min
